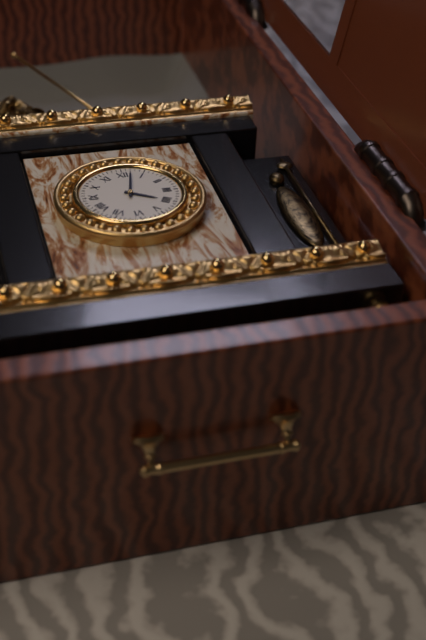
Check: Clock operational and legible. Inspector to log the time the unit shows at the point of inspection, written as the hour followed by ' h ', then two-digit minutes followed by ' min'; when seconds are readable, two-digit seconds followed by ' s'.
4 h 02 min
